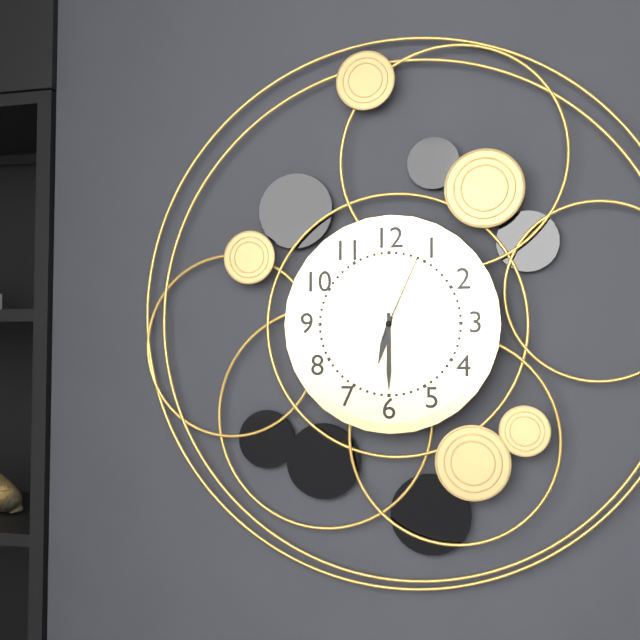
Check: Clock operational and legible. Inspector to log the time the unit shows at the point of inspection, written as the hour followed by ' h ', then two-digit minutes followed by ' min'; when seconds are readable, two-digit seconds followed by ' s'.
6 h 30 min 04 s
